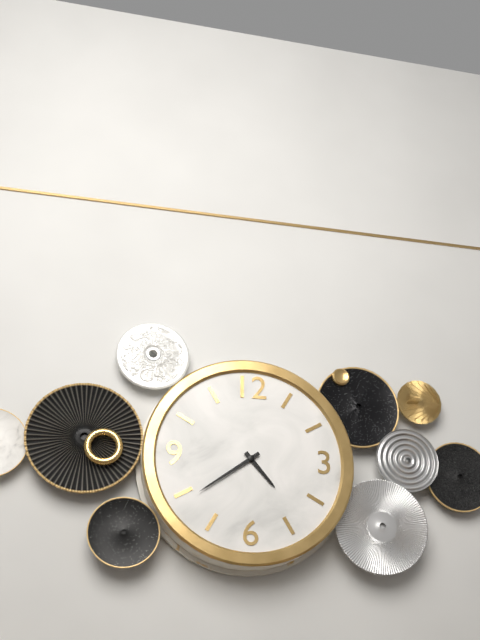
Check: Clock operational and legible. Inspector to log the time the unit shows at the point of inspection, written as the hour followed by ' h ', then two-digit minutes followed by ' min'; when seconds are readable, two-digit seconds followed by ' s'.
4 h 39 min
